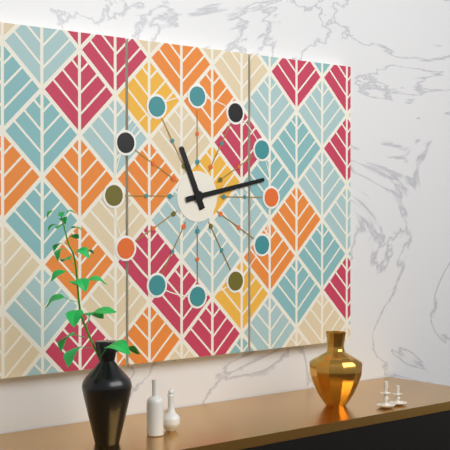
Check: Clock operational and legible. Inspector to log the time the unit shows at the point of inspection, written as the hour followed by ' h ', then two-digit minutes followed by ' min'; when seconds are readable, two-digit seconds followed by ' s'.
11 h 13 min
